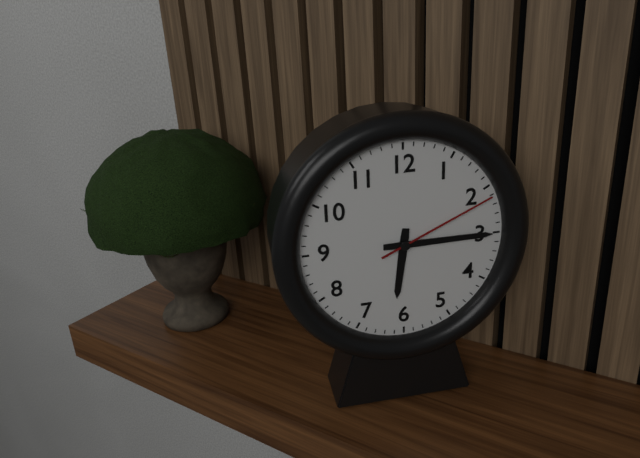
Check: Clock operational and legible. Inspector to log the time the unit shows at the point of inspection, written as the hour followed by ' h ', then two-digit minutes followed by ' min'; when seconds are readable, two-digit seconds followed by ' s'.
6 h 15 min 11 s
